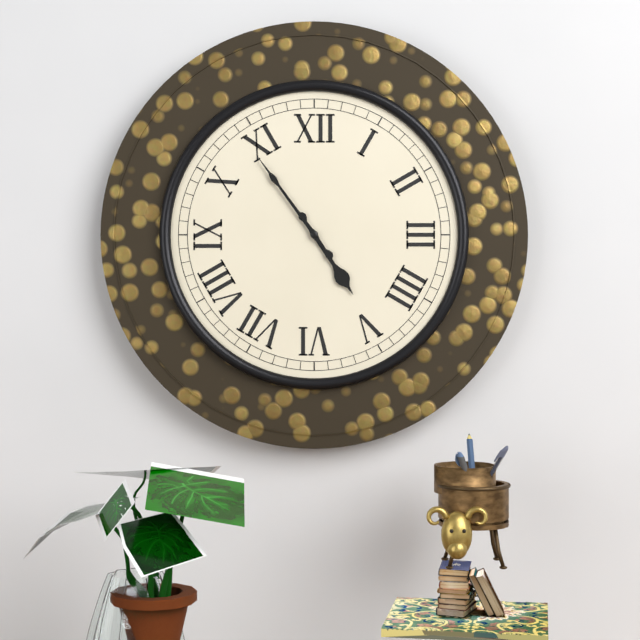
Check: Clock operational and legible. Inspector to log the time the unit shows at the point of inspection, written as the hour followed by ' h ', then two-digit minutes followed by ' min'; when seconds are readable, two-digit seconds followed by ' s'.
4 h 54 min
